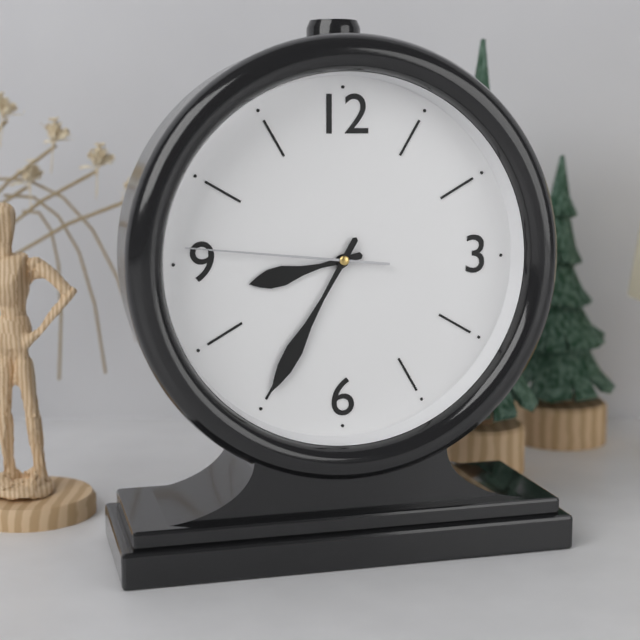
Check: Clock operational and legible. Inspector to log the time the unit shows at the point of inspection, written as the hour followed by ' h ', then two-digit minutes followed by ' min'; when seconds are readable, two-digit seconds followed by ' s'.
8 h 35 min 46 s
